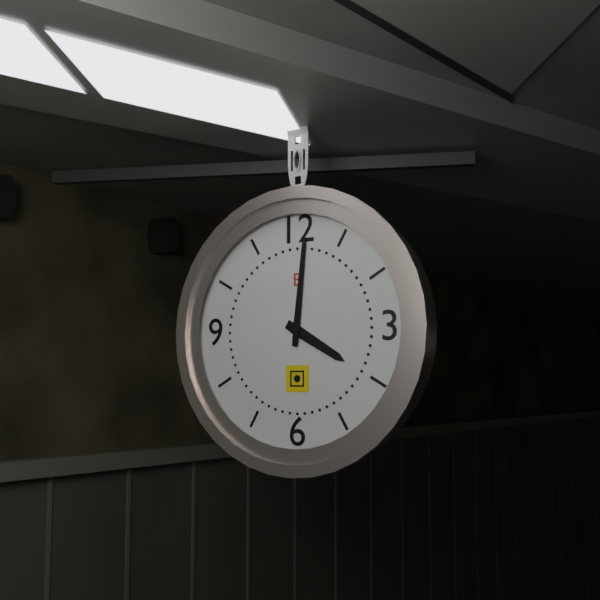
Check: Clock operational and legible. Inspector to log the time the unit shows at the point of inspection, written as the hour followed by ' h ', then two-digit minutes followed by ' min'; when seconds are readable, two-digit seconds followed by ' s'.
4 h 01 min
